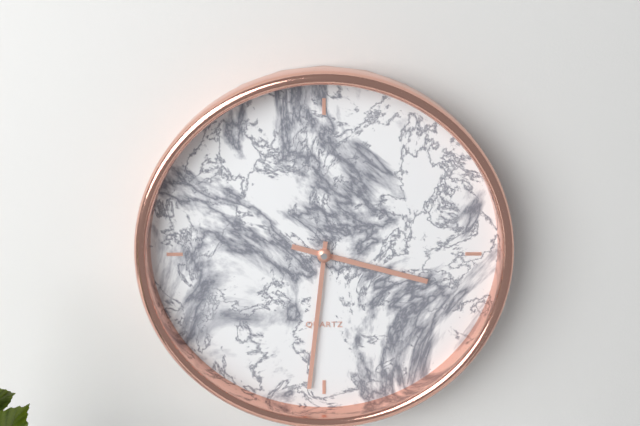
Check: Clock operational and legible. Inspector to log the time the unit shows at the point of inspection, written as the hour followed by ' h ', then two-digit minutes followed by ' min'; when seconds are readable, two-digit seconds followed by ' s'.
3 h 31 min
